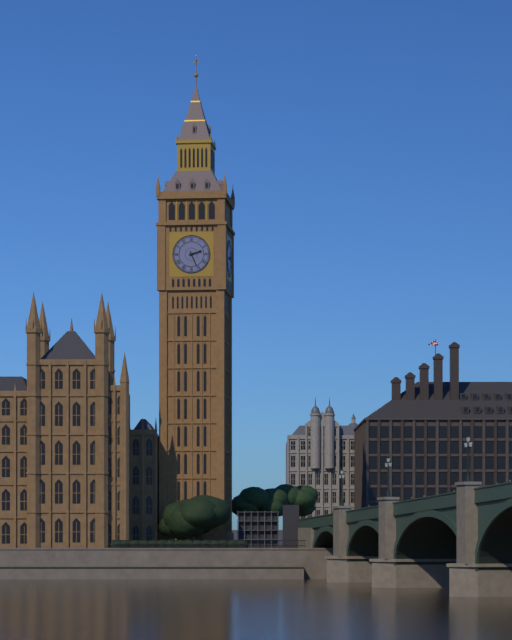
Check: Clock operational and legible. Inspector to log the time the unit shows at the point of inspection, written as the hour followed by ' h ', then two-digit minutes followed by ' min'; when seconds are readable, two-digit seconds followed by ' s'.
2 h 26 min
